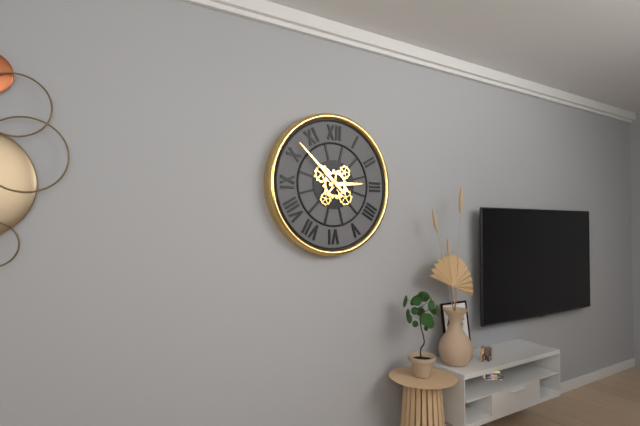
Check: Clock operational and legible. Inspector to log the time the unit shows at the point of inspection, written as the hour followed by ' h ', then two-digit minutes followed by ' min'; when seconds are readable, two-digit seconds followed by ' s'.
2 h 52 min
